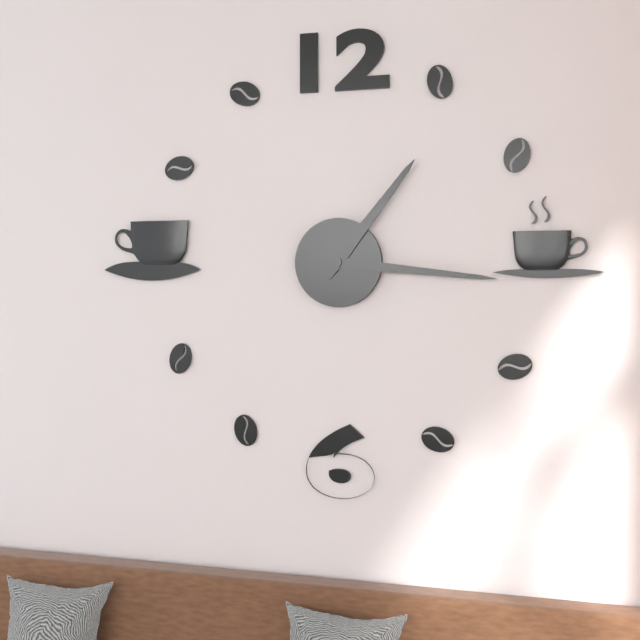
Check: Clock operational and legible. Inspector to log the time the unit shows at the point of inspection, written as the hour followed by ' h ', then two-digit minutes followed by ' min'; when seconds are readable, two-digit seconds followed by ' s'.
1 h 16 min
